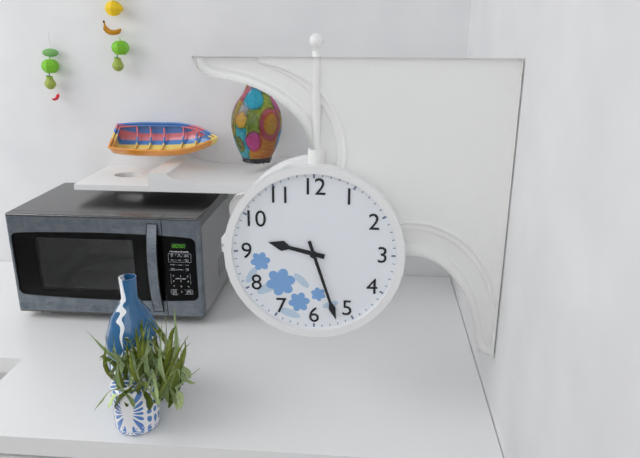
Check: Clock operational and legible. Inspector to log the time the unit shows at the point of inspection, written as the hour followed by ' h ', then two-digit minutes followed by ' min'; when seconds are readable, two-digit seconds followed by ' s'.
9 h 27 min
